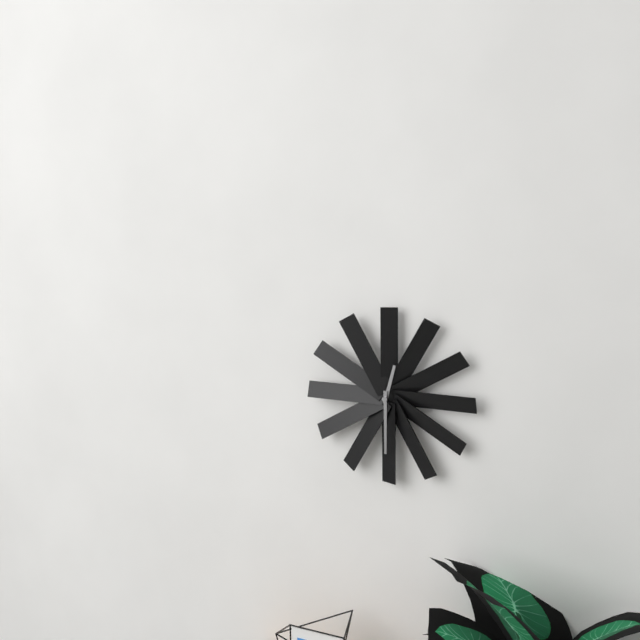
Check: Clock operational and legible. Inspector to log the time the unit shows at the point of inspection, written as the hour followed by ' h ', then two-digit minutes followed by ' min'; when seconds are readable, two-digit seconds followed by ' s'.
12 h 30 min
